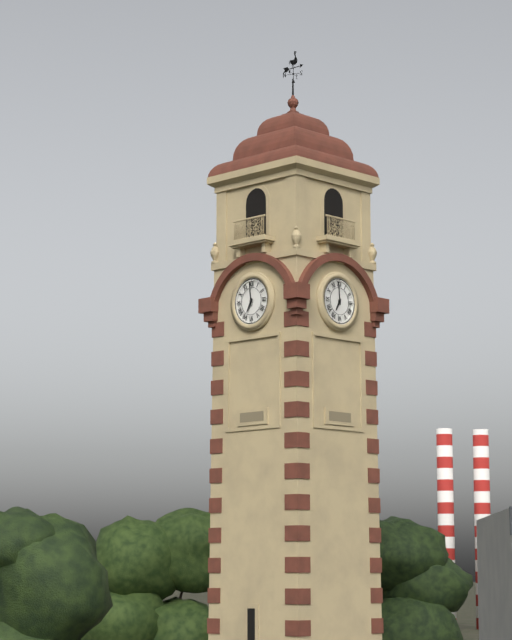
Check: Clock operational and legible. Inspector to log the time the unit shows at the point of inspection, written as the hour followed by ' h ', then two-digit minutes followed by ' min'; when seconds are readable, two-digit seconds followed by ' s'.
6 h 59 min
